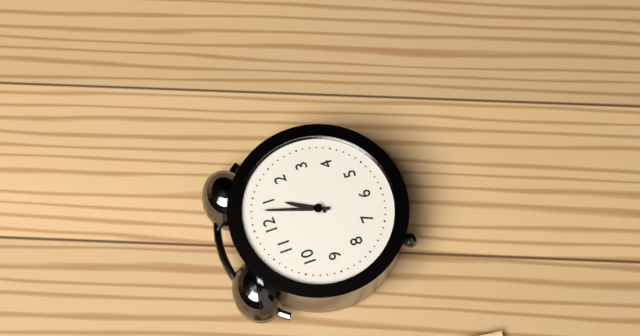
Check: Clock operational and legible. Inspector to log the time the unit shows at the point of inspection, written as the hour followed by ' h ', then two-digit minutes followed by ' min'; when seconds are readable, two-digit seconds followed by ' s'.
1 h 03 min
